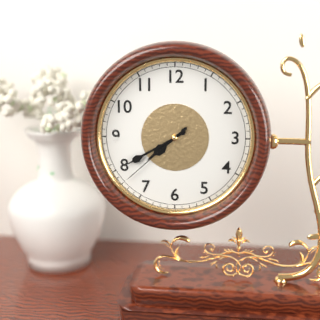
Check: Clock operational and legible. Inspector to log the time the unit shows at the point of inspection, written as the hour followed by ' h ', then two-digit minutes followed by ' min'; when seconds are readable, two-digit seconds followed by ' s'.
7 h 40 min 38 s
